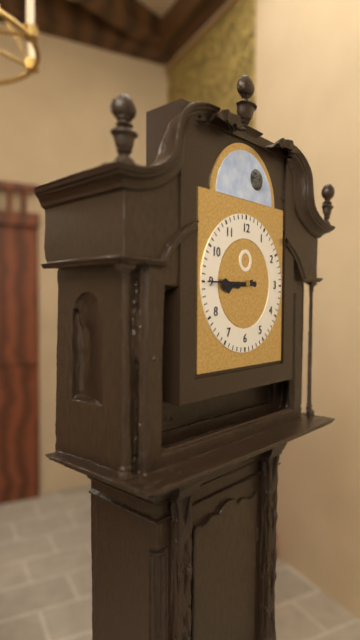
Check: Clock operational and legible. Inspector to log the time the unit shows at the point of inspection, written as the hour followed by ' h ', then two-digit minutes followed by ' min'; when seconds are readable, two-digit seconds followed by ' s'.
8 h 45 min
